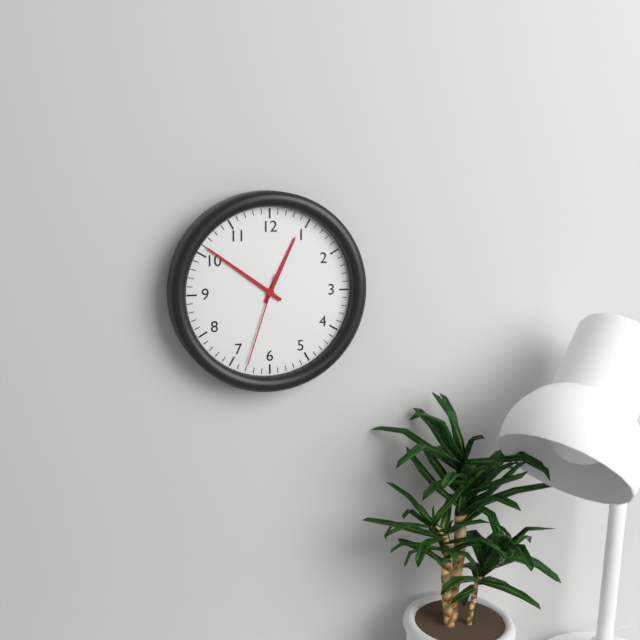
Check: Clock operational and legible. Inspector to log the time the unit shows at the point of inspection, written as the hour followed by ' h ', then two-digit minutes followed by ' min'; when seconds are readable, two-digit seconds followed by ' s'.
12 h 51 min 33 s
